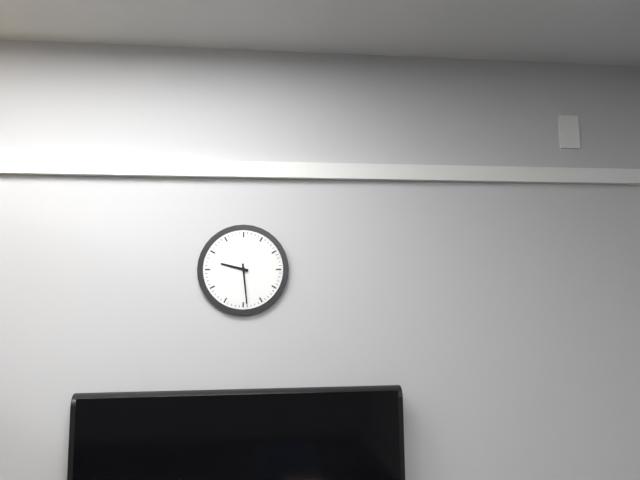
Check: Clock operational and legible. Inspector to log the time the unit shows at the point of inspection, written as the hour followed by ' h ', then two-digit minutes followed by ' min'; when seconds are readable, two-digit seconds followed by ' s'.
9 h 29 min
